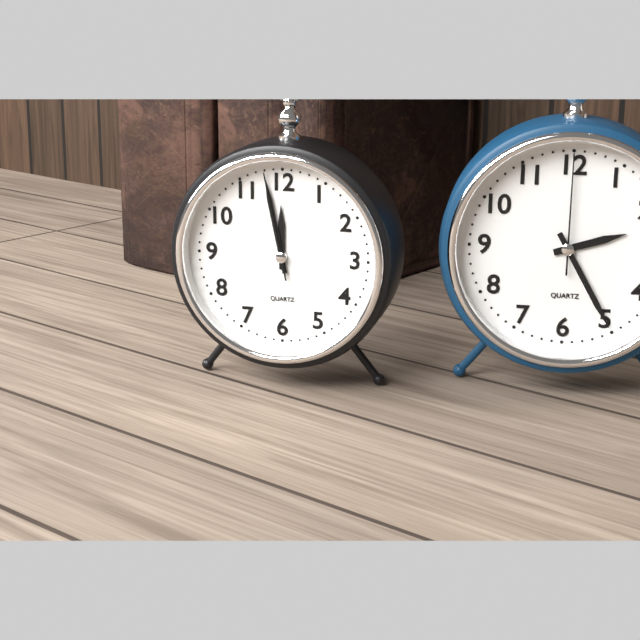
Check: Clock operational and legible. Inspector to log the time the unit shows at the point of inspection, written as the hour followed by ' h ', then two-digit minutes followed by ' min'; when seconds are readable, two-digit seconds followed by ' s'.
11 h 58 min 58 s
